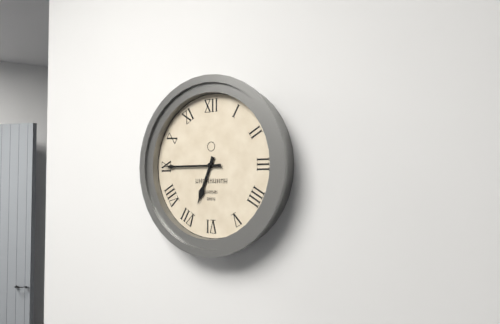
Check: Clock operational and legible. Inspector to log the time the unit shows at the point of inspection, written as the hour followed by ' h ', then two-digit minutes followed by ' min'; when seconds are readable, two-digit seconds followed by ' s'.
6 h 45 min
